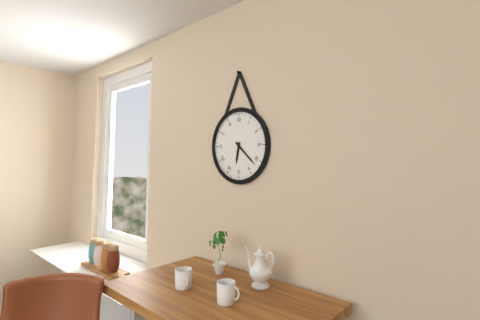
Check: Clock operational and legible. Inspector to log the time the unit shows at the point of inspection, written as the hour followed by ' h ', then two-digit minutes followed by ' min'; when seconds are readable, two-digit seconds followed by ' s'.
6 h 22 min
